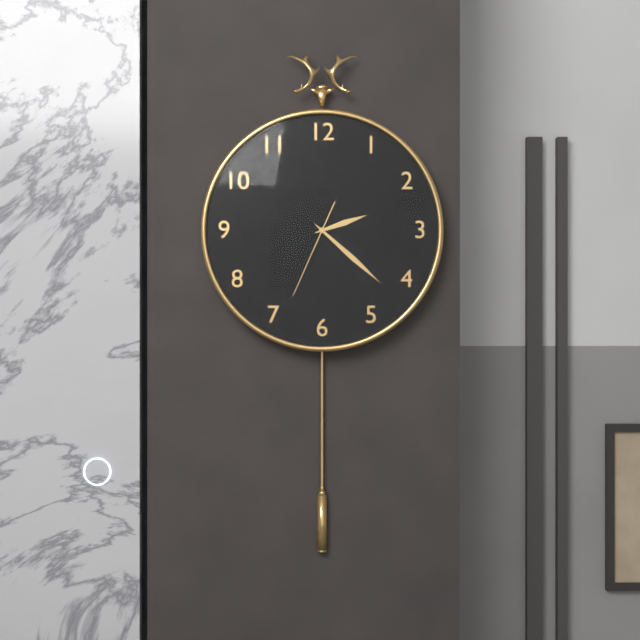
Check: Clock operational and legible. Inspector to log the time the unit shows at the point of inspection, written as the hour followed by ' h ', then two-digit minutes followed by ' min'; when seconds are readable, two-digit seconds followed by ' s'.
2 h 22 min 34 s
